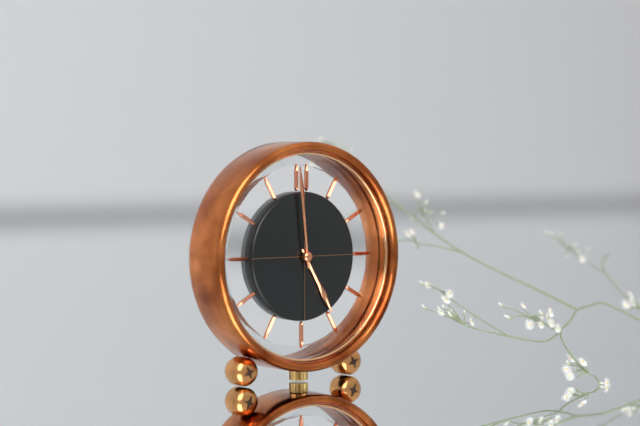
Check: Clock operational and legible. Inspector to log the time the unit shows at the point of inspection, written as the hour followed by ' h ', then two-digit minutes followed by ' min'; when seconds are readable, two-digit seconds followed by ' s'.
4 h 59 min
